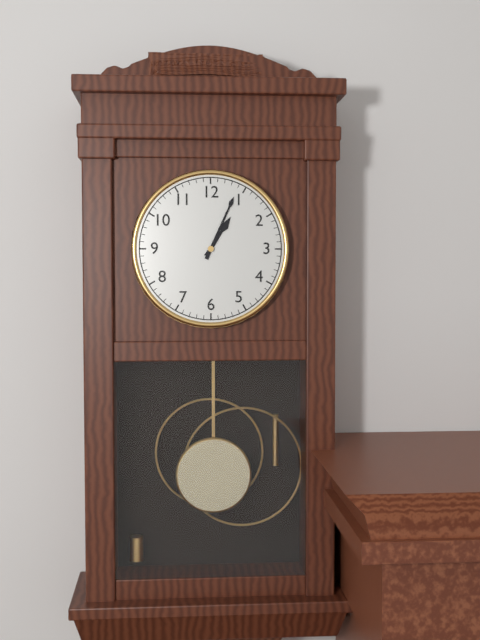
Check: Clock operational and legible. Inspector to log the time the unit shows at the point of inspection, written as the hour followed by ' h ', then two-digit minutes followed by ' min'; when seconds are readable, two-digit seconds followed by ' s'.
1 h 04 min
